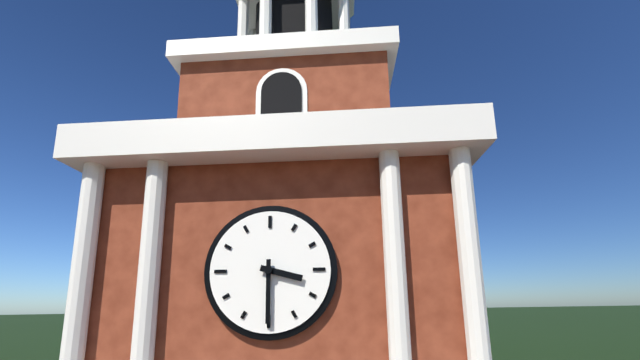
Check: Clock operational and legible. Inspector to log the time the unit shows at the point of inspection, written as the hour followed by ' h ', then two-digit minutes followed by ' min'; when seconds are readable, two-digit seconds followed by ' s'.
3 h 30 min
